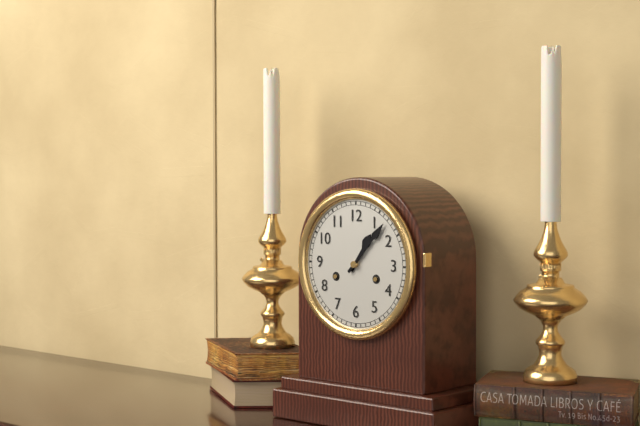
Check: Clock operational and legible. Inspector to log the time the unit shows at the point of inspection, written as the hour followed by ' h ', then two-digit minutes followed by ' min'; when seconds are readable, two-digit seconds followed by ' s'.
1 h 07 min
